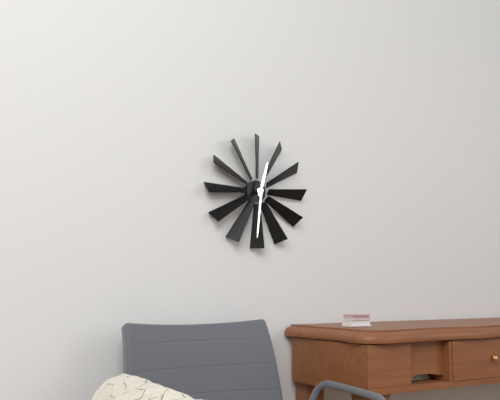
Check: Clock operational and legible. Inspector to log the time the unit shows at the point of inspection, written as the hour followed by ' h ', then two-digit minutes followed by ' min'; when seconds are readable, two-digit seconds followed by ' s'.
12 h 31 min
